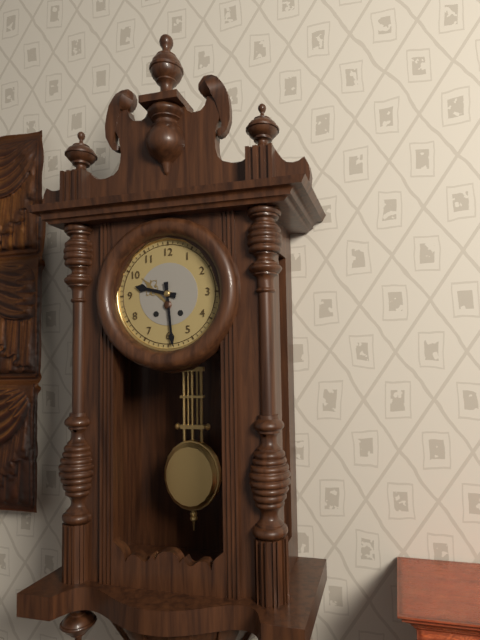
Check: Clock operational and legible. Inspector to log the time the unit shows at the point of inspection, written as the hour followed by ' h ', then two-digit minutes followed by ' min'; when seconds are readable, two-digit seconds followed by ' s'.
9 h 29 min
